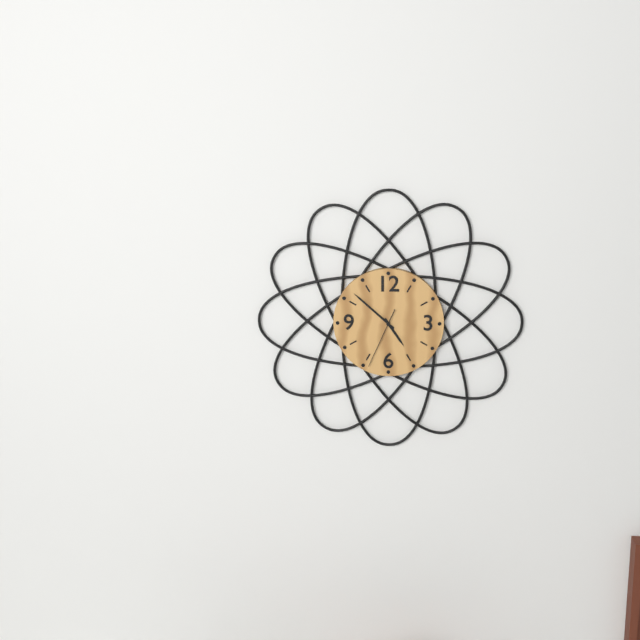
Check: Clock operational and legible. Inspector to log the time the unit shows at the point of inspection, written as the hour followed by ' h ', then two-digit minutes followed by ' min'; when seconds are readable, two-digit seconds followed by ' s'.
4 h 52 min 34 s
